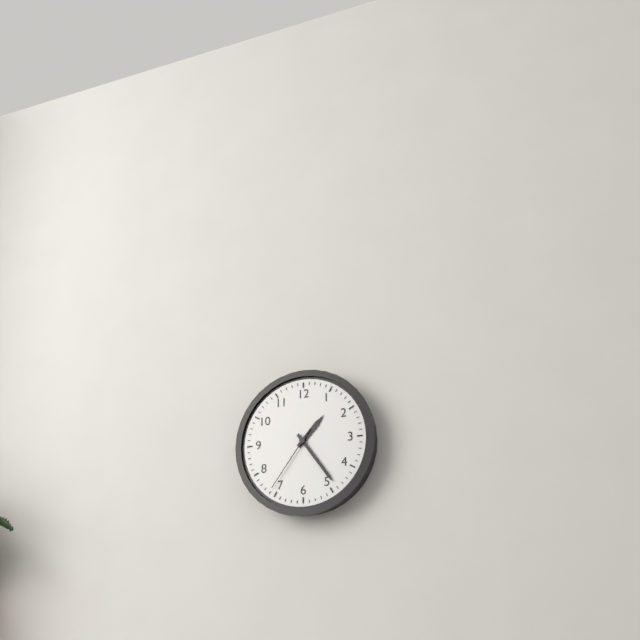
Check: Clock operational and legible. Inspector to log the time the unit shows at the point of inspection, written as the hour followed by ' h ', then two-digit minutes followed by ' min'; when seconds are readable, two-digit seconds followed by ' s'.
1 h 24 min 36 s
